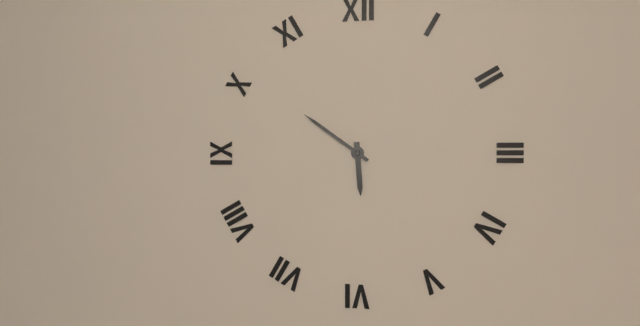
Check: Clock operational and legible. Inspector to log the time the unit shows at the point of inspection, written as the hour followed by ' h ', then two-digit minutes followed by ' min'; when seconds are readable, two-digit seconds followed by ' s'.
5 h 51 min
